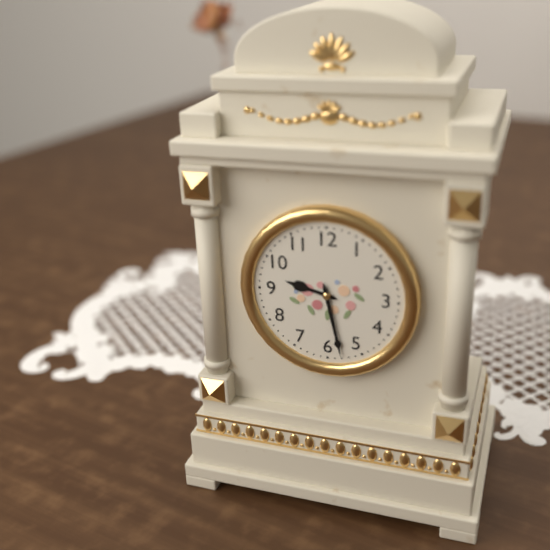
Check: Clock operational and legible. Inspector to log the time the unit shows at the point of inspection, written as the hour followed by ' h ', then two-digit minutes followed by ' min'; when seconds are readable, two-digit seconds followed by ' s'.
9 h 28 min
